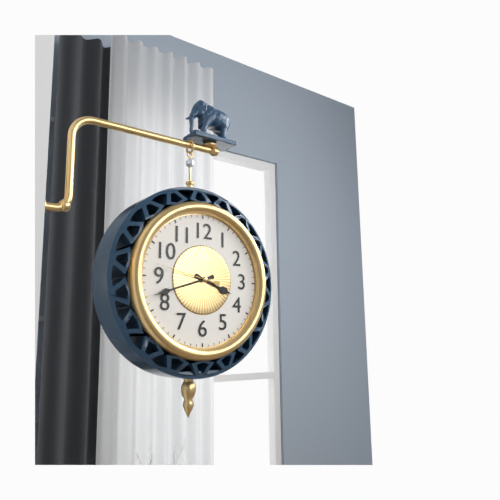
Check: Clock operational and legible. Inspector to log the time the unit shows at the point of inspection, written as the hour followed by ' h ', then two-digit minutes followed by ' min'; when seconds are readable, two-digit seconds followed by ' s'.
3 h 42 min
